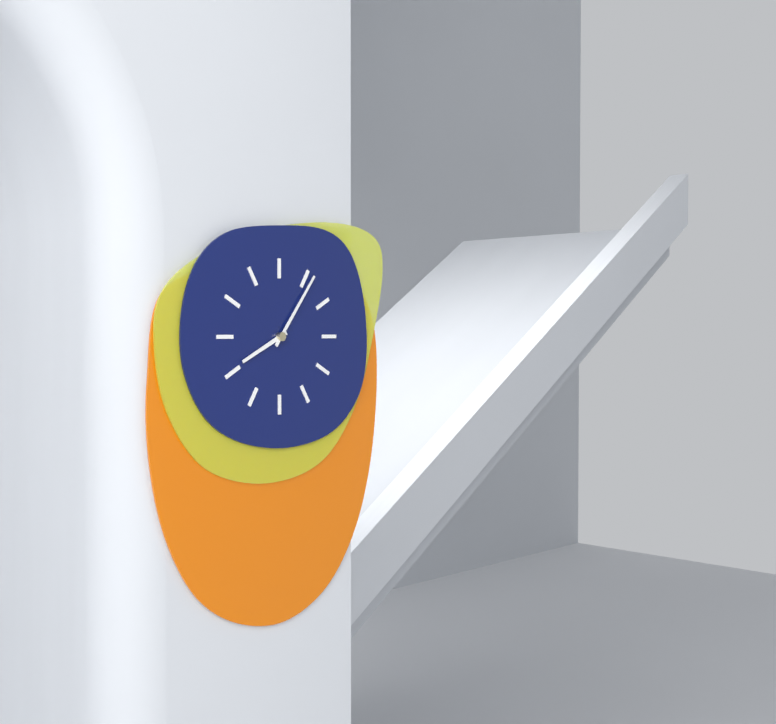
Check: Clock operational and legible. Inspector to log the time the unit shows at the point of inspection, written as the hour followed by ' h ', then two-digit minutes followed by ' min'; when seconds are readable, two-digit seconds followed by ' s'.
8 h 06 min
